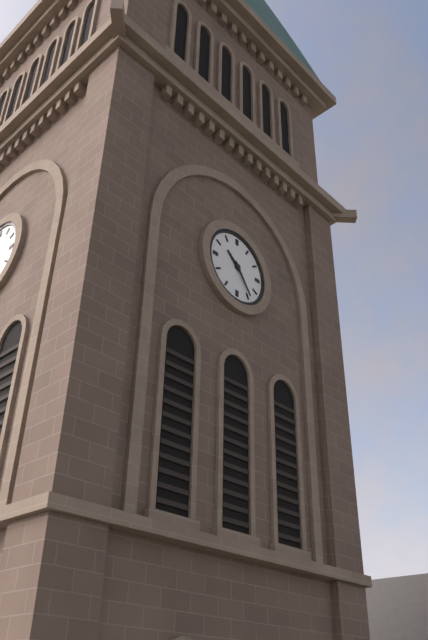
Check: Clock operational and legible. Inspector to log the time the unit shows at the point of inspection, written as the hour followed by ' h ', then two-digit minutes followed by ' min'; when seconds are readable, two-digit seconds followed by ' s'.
10 h 24 min
